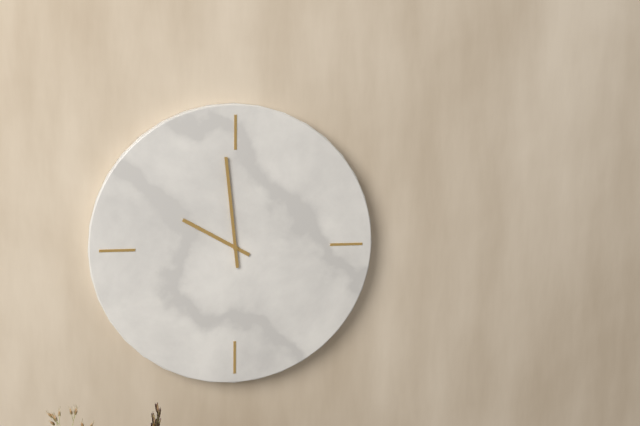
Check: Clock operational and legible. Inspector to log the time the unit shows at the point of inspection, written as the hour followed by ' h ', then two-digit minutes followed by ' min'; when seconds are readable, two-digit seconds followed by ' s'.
9 h 59 min
